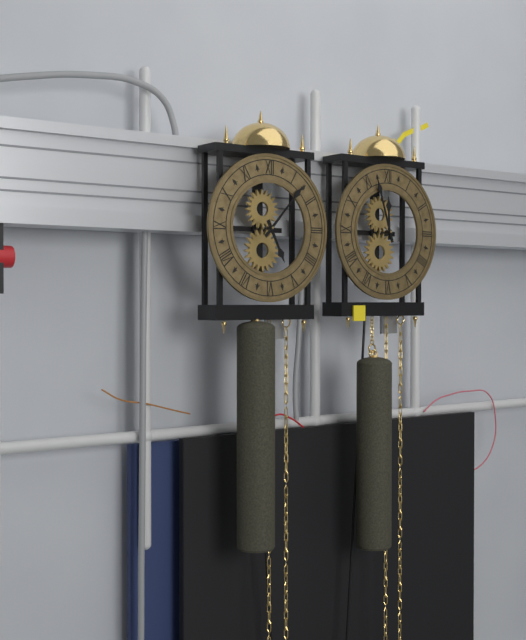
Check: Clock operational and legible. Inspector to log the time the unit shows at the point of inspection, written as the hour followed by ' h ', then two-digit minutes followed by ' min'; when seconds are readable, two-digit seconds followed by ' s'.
5 h 07 min
